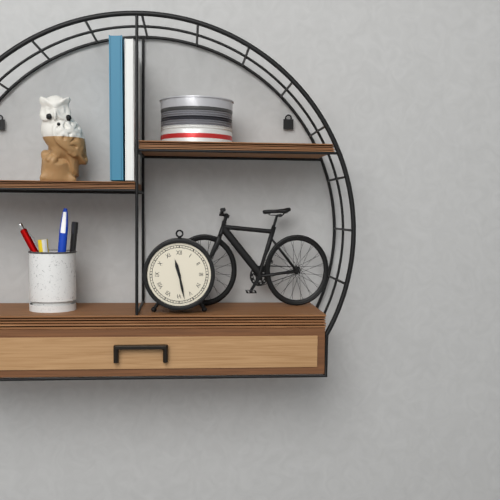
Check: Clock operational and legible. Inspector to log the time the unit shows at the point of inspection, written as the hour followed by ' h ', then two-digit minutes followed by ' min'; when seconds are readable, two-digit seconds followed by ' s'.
11 h 28 min
